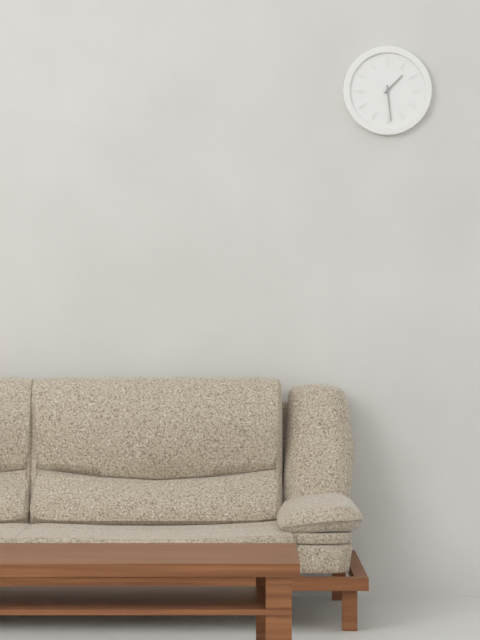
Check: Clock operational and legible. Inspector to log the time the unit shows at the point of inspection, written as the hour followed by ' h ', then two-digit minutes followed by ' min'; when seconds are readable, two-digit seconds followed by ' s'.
1 h 29 min
